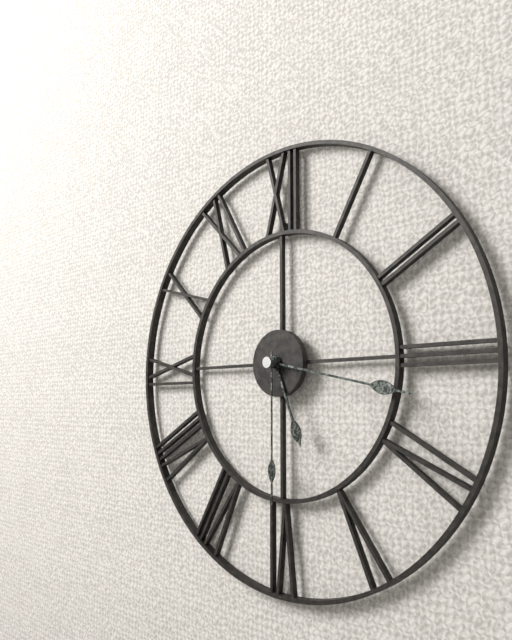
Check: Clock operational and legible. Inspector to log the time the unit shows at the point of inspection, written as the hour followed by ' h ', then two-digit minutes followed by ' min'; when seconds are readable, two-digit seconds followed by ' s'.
5 h 17 min 30 s
